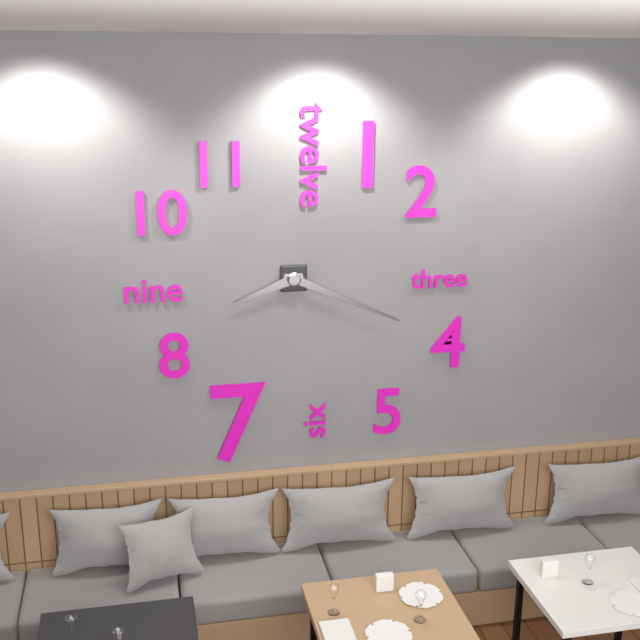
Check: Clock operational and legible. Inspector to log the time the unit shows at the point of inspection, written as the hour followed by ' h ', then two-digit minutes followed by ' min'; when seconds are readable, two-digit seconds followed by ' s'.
8 h 19 min
